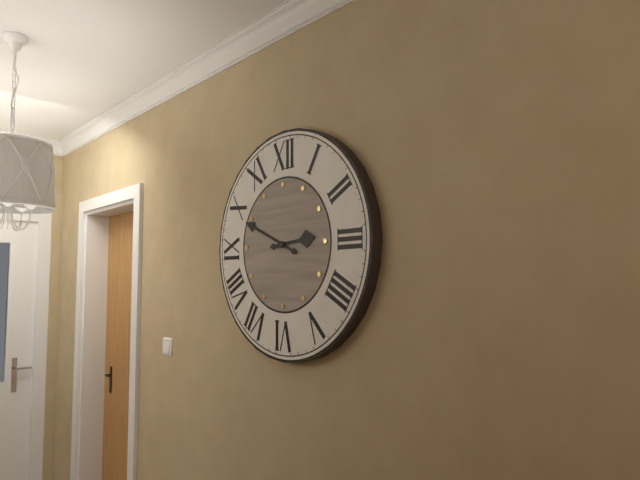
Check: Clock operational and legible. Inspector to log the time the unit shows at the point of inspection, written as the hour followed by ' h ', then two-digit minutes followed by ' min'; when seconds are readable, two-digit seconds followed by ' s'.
2 h 49 min
